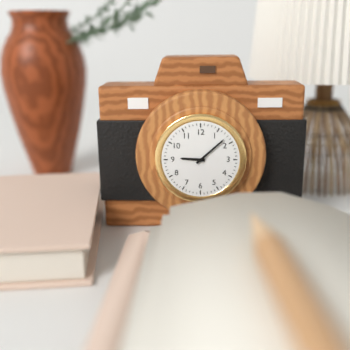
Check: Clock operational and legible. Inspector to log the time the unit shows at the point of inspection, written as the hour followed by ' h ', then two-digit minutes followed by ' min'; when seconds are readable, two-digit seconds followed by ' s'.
9 h 08 min
